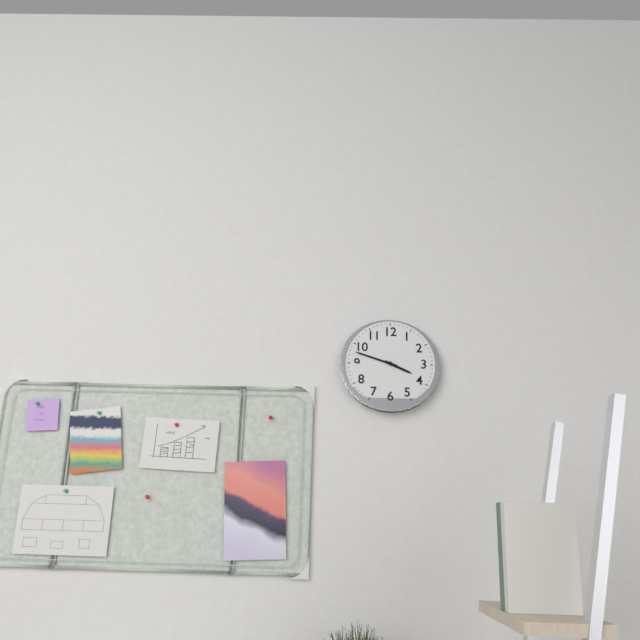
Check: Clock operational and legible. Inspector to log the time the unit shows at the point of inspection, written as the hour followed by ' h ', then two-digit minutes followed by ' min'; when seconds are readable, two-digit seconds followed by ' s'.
3 h 48 min
